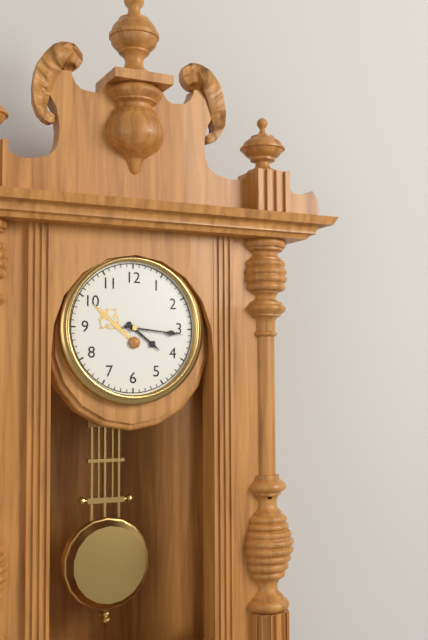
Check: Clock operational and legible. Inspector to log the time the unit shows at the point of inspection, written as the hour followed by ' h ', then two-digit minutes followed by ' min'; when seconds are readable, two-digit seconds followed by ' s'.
4 h 16 min
